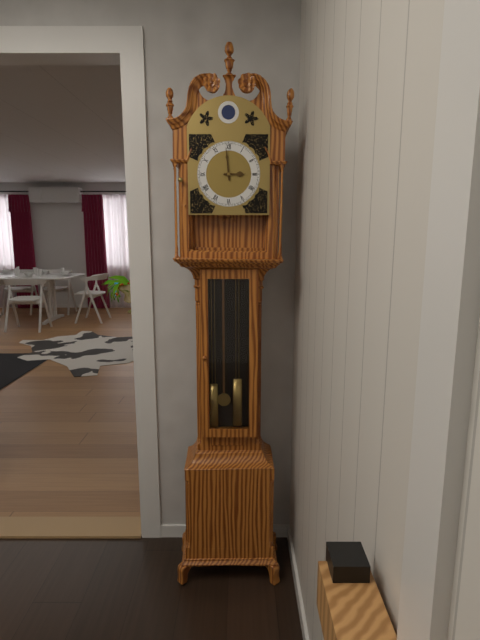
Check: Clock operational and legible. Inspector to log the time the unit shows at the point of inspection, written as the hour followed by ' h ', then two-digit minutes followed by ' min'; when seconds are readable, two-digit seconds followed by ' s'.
2 h 59 min
